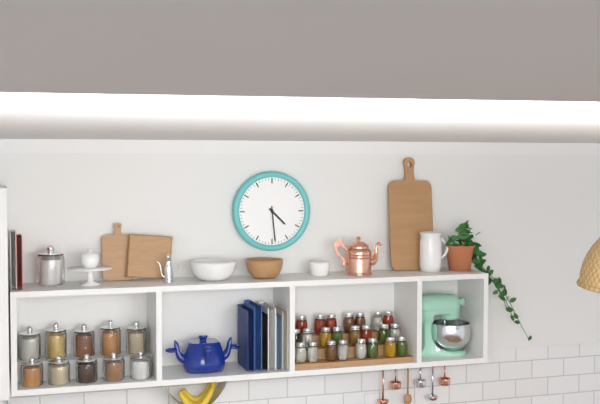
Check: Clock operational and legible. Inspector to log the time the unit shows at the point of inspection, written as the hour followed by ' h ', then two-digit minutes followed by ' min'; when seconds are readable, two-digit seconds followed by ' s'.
4 h 29 min
